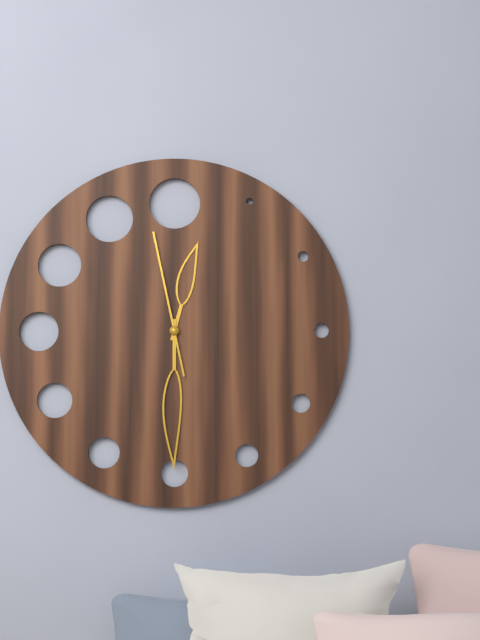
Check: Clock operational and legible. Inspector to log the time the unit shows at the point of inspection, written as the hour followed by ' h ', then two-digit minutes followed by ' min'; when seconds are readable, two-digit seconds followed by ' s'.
12 h 30 min 58 s
